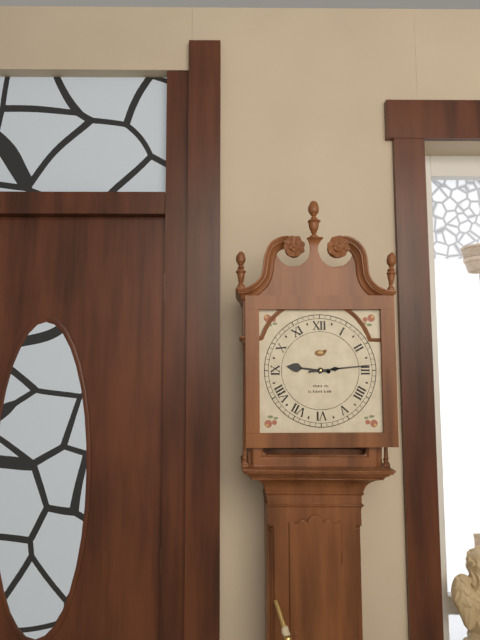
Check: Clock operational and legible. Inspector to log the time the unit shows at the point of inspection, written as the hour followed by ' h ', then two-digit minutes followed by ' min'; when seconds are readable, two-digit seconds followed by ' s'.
9 h 14 min
